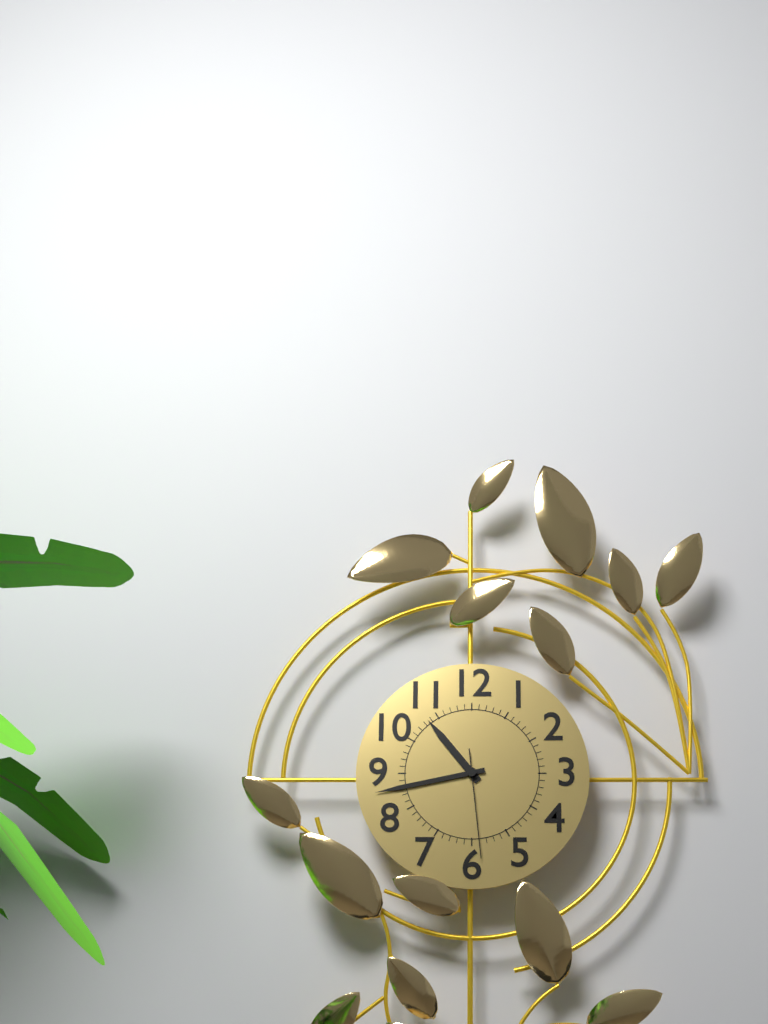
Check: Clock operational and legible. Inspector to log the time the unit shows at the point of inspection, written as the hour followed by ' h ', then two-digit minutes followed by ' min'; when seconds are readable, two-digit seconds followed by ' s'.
10 h 43 min 29 s
